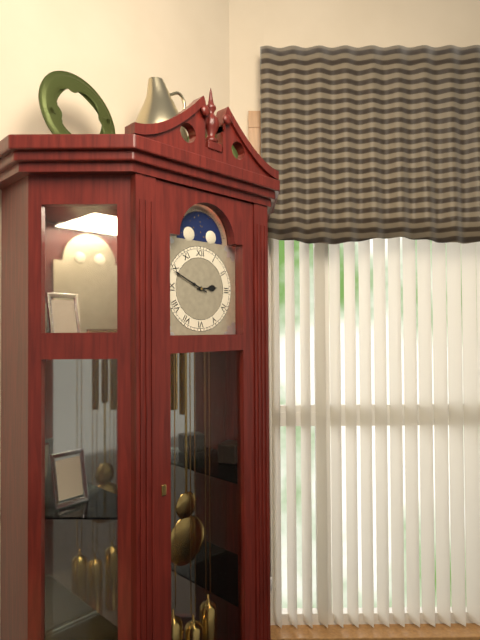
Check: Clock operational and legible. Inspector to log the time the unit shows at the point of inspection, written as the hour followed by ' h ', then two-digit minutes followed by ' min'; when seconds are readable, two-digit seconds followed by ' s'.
2 h 49 min
